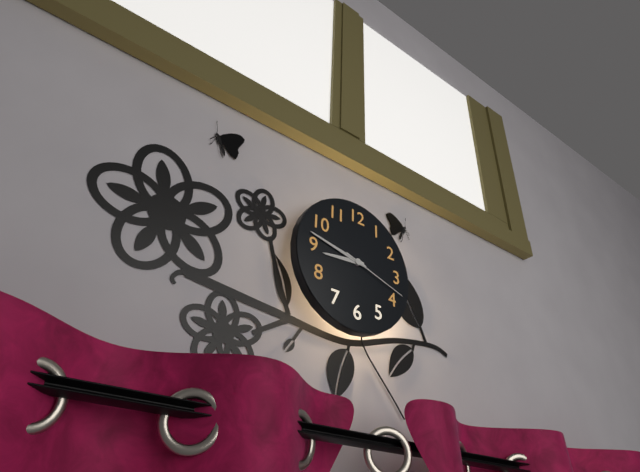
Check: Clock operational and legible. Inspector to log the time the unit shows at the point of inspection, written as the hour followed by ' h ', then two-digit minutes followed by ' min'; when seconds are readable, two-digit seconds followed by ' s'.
8 h 47 min 18 s
